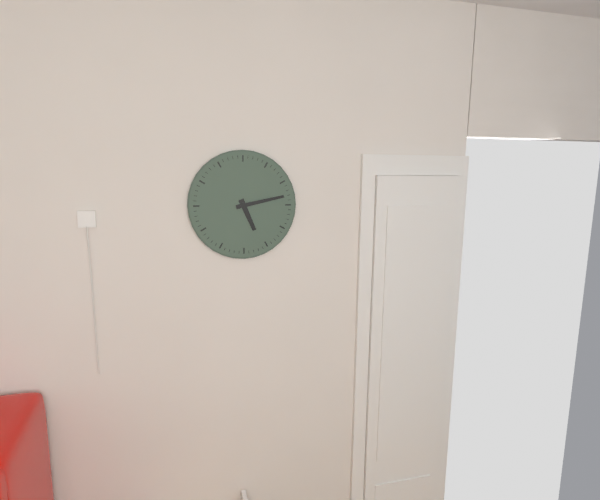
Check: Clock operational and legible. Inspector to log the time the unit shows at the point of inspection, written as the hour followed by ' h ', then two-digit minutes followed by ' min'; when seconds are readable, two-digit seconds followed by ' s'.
5 h 13 min
